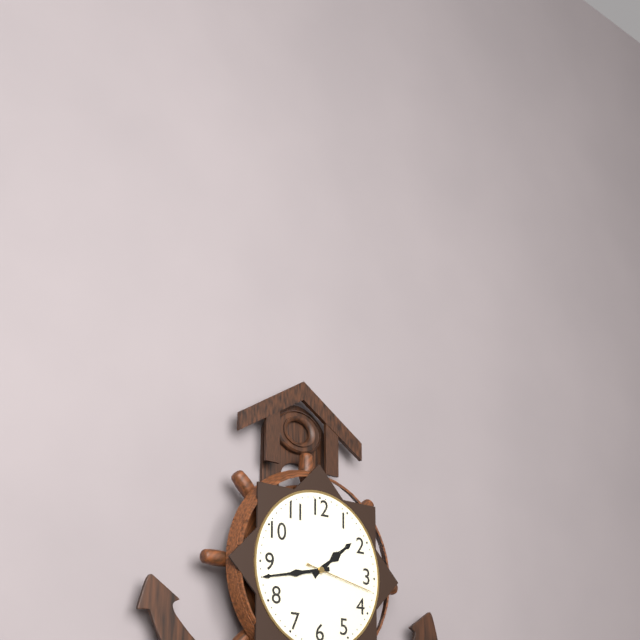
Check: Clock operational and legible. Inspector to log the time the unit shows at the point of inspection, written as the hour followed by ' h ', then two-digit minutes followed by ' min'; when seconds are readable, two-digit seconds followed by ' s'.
1 h 43 min 17 s
